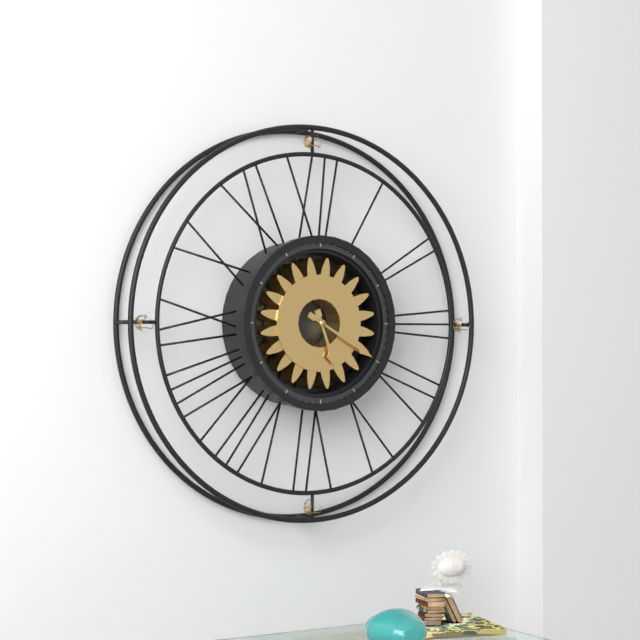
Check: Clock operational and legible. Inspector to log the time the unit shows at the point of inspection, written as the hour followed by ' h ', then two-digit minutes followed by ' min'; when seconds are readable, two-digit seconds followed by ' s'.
5 h 20 min
